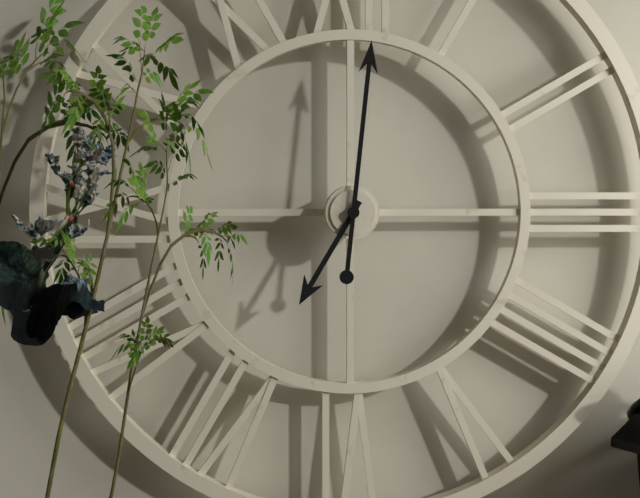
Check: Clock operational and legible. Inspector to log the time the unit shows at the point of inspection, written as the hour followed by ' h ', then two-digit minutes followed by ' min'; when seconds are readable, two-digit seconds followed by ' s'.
7 h 01 min
